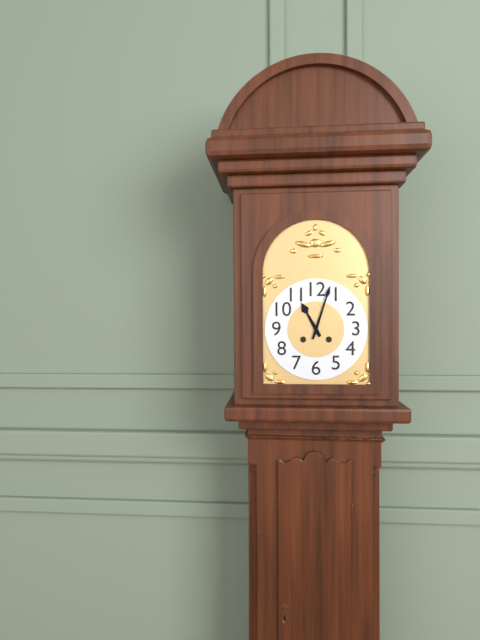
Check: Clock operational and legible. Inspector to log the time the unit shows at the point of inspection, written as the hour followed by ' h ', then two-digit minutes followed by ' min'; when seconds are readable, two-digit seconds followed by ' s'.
11 h 03 min
